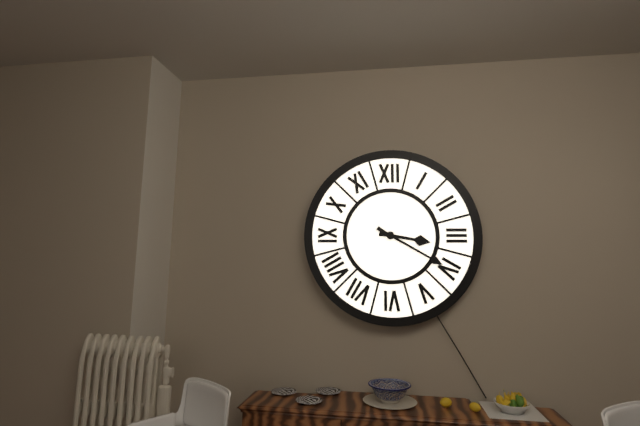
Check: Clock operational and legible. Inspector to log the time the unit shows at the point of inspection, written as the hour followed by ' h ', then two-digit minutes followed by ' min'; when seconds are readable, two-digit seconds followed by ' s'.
3 h 20 min
